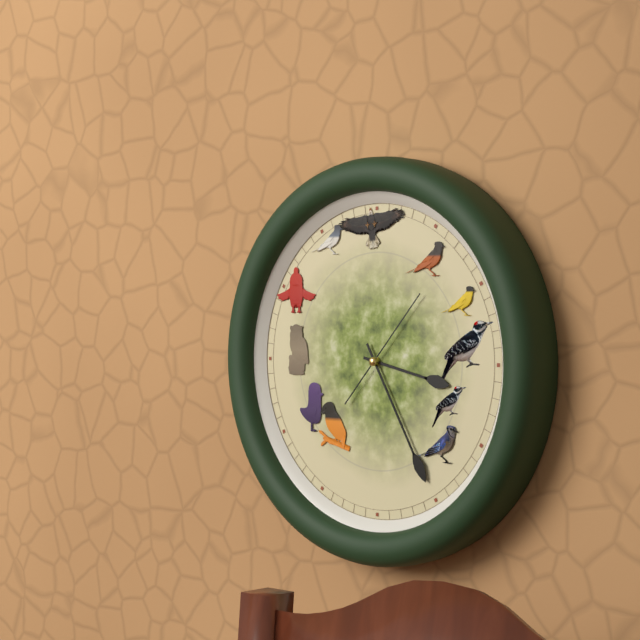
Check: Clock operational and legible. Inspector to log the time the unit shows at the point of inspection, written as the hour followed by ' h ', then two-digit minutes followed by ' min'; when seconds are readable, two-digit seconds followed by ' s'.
3 h 25 min 07 s
